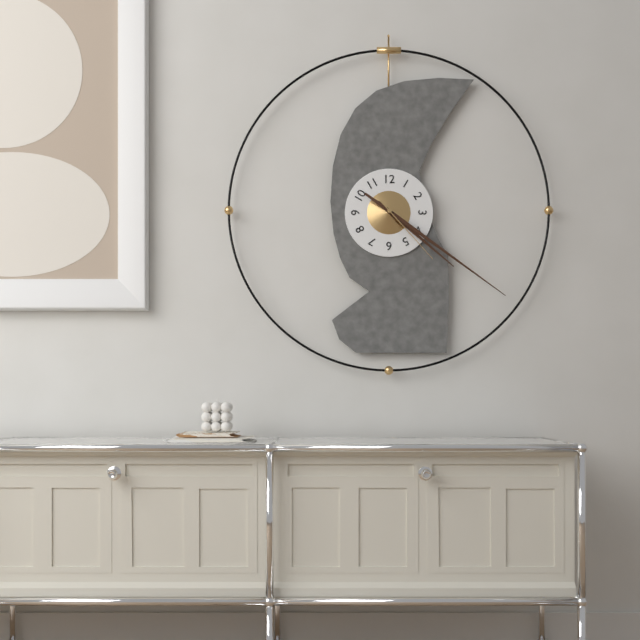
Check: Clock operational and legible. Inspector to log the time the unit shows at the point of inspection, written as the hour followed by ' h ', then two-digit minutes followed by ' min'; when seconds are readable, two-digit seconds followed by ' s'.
4 h 21 min 23 s
